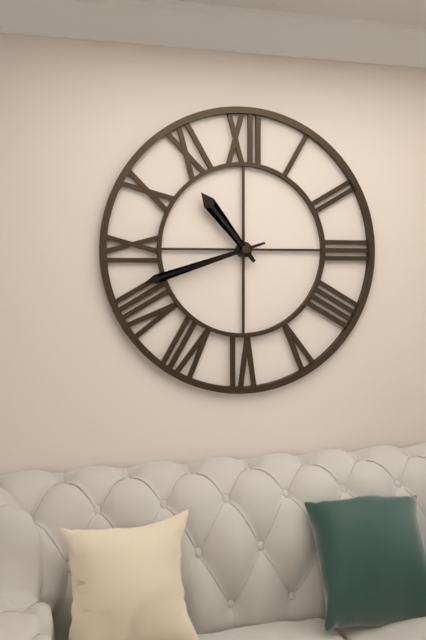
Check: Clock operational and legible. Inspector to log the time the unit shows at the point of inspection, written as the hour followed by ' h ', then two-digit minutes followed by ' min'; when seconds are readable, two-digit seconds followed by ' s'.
10 h 42 min
